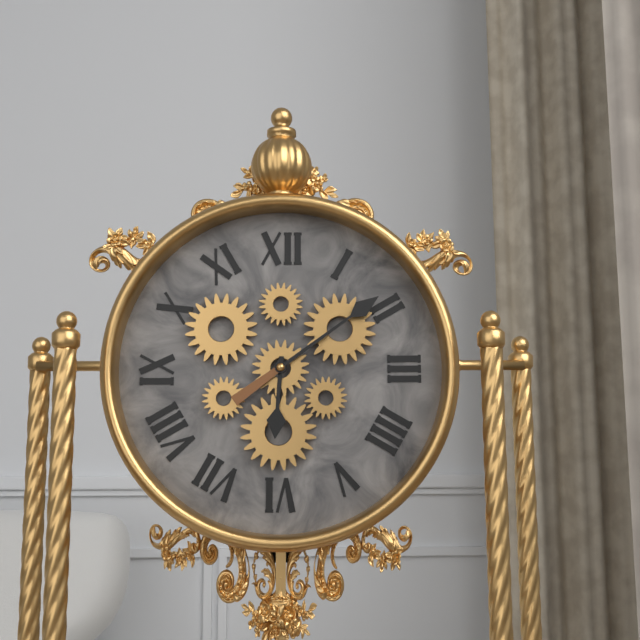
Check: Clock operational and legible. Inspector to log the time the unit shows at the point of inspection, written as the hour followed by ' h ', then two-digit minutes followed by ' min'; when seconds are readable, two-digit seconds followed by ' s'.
6 h 09 min
